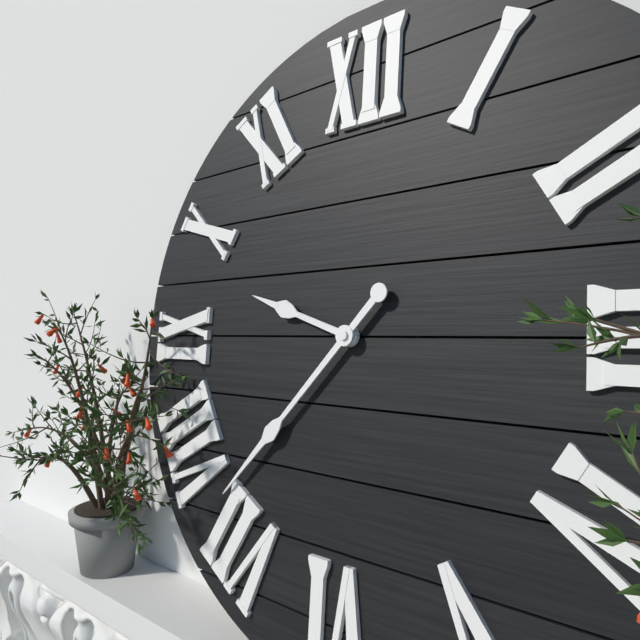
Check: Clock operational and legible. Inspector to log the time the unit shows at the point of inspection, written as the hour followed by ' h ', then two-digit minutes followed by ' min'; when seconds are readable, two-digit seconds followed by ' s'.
9 h 37 min
